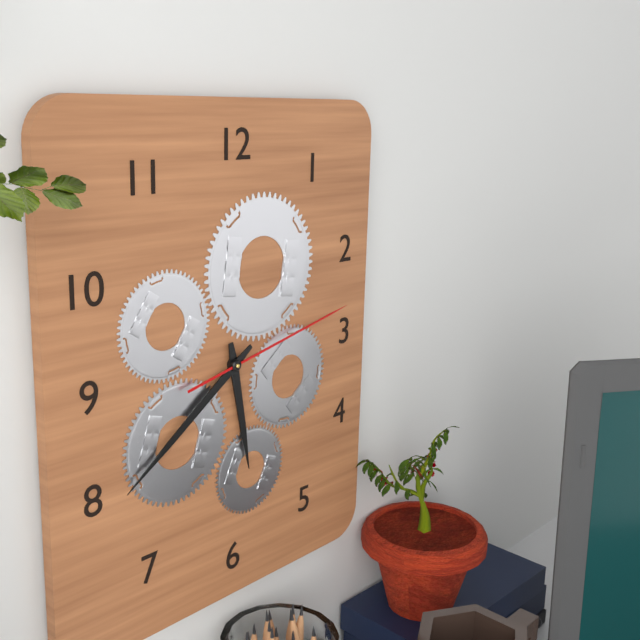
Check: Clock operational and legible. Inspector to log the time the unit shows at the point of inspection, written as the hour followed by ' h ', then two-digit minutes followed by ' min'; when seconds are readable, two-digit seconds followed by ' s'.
5 h 39 min 13 s
